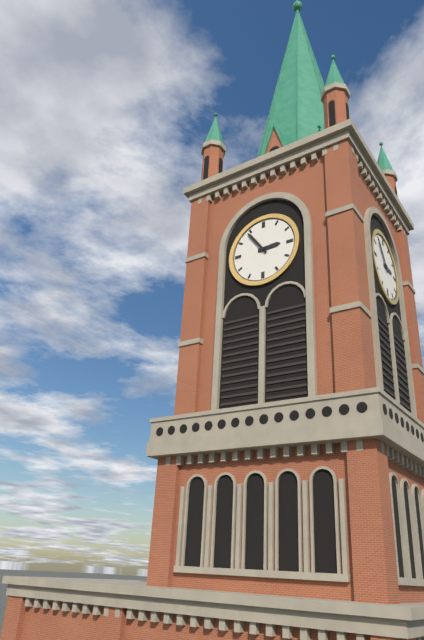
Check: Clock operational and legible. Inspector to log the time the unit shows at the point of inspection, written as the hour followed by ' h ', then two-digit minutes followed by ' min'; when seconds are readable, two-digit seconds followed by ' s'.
2 h 54 min
